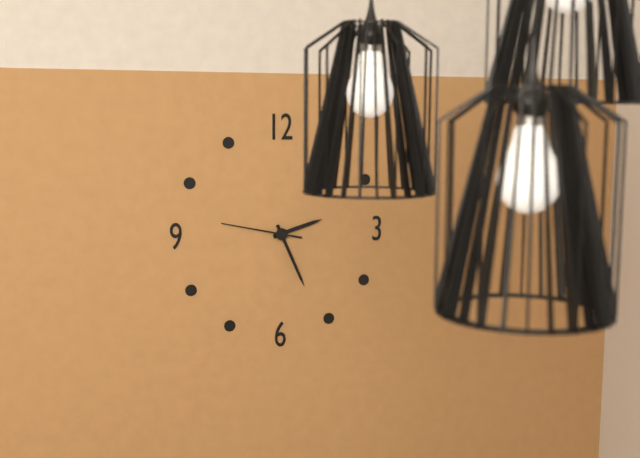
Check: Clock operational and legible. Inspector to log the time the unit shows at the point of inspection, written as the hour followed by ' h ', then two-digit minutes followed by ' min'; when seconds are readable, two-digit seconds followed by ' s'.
2 h 26 min 47 s
